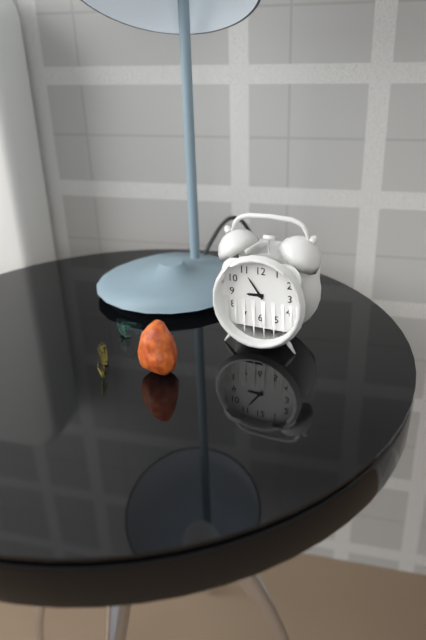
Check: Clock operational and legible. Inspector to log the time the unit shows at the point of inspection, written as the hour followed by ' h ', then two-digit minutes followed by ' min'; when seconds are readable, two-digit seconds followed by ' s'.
8 h 54 min
